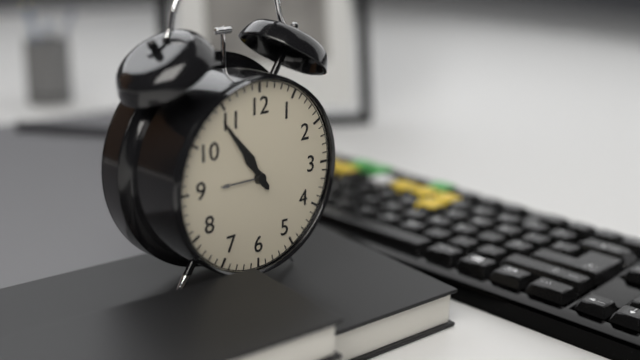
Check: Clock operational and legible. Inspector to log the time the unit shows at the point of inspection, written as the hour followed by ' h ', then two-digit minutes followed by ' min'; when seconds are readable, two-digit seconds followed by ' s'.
10 h 54 min
